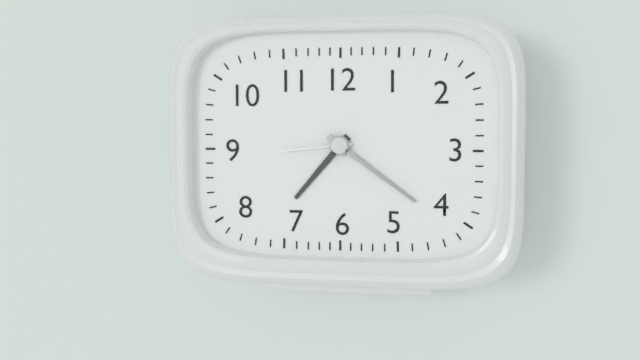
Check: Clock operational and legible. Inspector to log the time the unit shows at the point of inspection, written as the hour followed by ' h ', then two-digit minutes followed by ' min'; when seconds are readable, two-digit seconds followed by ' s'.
7 h 21 min 44 s
